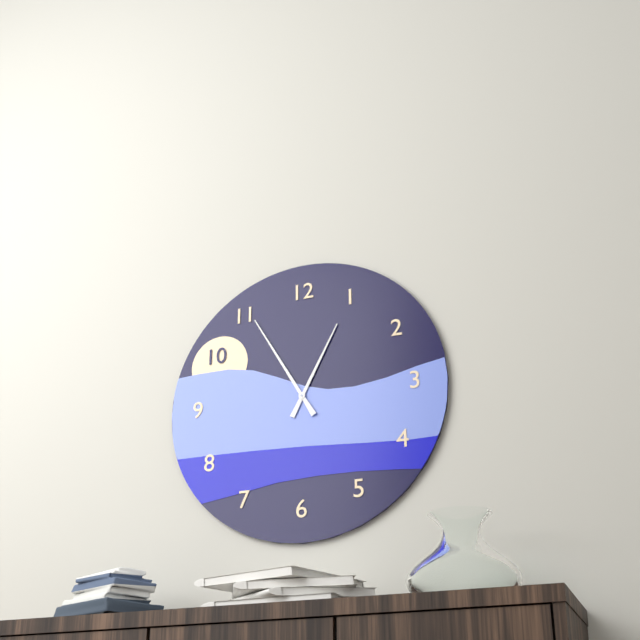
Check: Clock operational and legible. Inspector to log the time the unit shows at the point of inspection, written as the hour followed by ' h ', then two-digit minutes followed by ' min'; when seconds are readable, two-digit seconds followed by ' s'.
12 h 55 min
